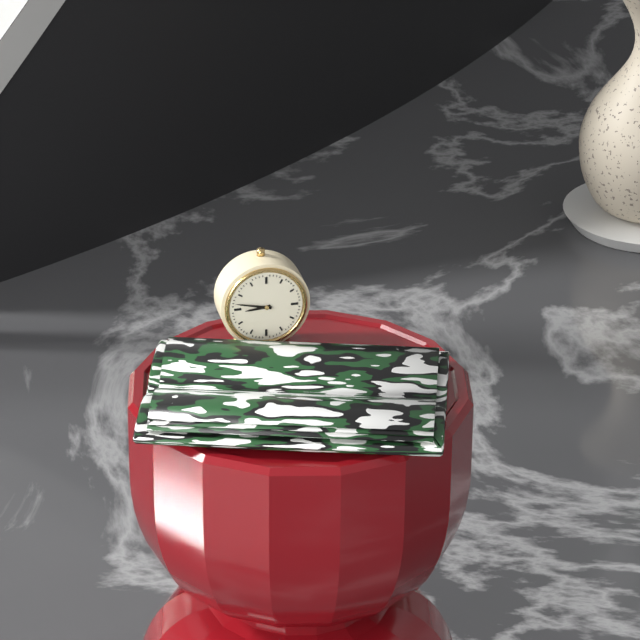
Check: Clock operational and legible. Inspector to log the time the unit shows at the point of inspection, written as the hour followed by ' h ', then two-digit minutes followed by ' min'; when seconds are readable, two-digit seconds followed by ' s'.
8 h 47 min
